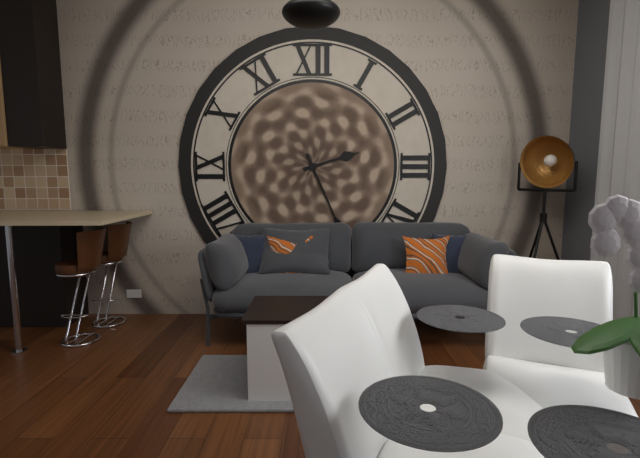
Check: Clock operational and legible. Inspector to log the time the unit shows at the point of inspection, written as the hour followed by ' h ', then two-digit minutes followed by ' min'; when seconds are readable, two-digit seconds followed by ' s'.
2 h 26 min
